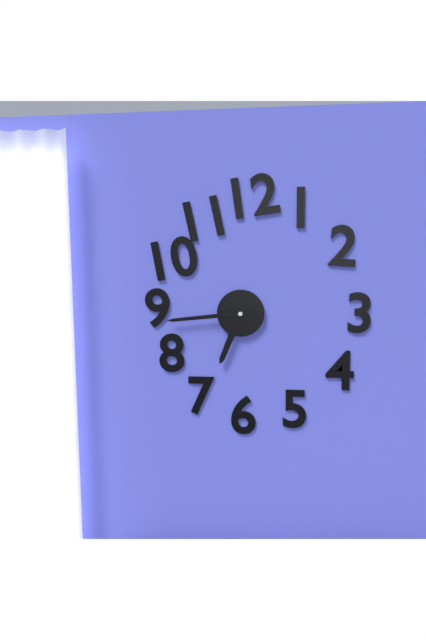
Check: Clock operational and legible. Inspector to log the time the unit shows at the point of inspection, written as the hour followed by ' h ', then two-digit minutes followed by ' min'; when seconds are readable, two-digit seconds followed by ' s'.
6 h 44 min
